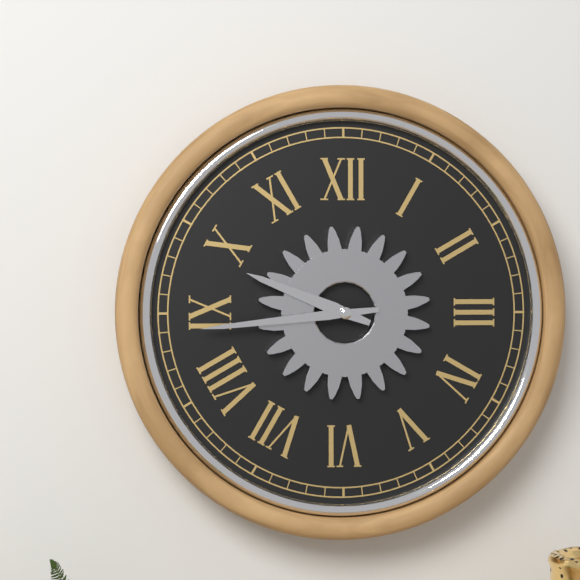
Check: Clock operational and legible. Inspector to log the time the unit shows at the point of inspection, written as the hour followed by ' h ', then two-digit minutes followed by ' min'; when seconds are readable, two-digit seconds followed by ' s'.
9 h 44 min
